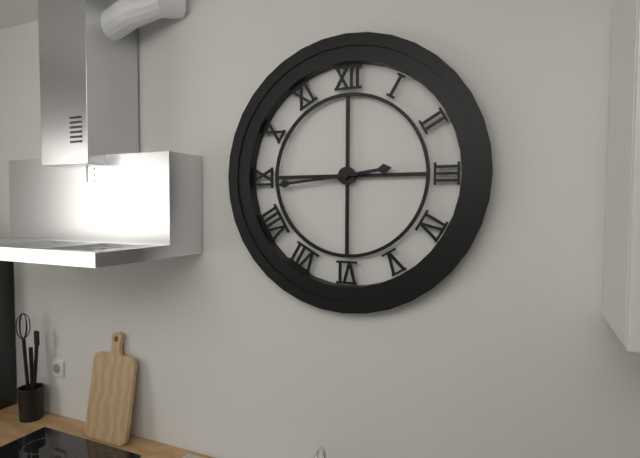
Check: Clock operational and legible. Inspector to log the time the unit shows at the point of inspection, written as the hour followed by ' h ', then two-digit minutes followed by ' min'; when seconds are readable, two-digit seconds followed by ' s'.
2 h 44 min
